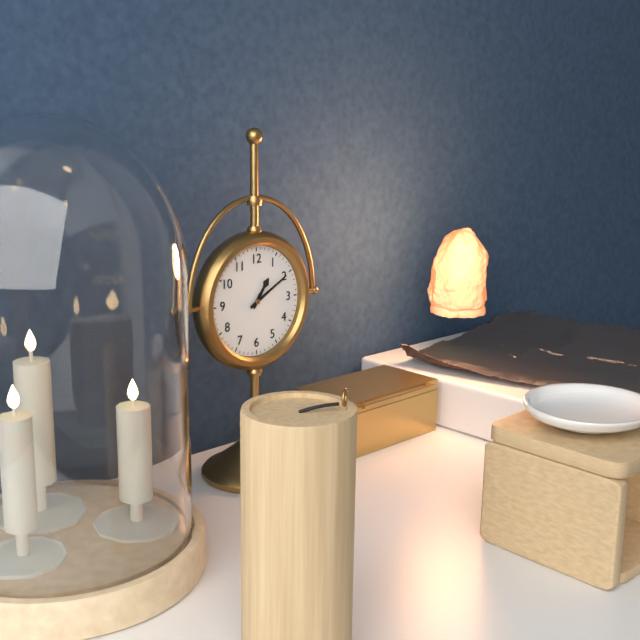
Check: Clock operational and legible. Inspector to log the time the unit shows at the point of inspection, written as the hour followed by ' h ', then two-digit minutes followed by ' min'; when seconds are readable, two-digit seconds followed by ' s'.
1 h 10 min
